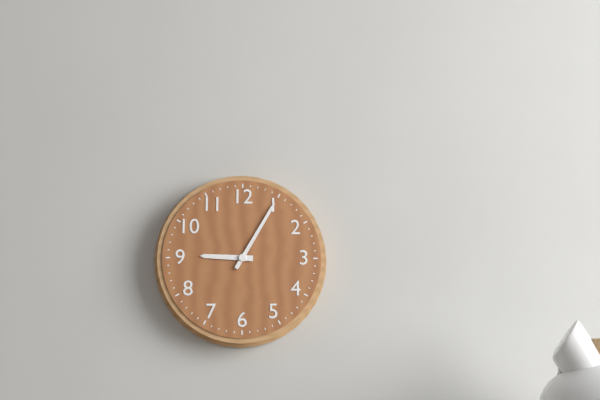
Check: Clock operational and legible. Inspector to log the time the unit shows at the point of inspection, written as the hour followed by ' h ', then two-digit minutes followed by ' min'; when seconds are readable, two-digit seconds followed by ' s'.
9 h 05 min
